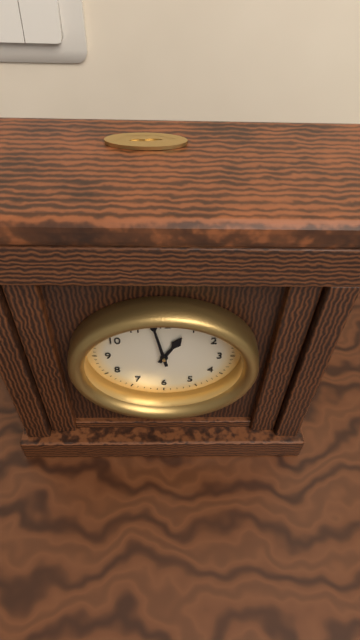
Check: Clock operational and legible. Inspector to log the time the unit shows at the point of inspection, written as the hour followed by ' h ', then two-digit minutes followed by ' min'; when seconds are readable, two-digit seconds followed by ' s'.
12 h 58 min
